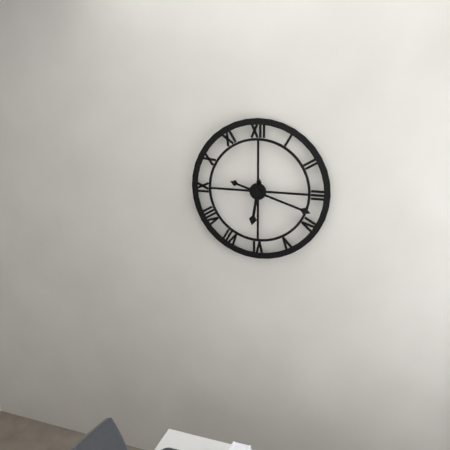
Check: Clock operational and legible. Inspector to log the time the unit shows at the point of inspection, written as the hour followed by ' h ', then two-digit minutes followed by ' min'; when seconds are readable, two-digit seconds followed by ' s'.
6 h 18 min
